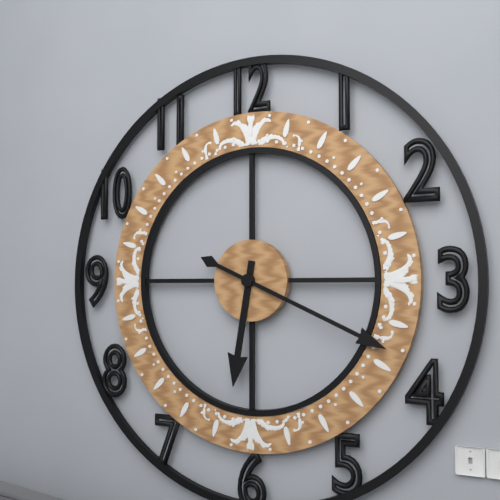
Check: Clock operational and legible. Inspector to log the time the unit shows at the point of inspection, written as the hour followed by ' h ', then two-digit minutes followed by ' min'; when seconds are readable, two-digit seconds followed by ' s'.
6 h 19 min
